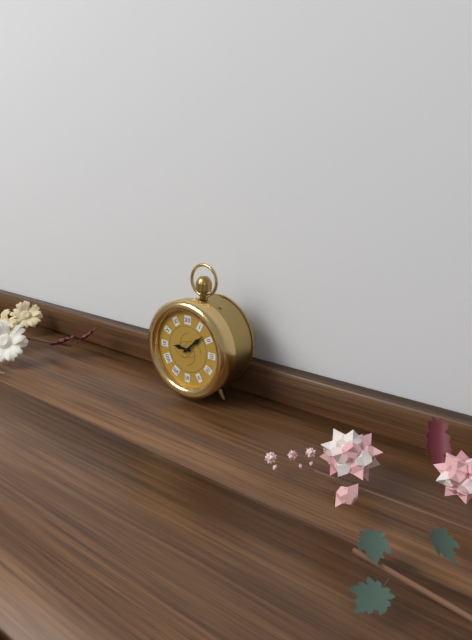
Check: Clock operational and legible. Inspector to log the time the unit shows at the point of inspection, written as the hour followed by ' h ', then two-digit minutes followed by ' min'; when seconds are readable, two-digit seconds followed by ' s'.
9 h 08 min
